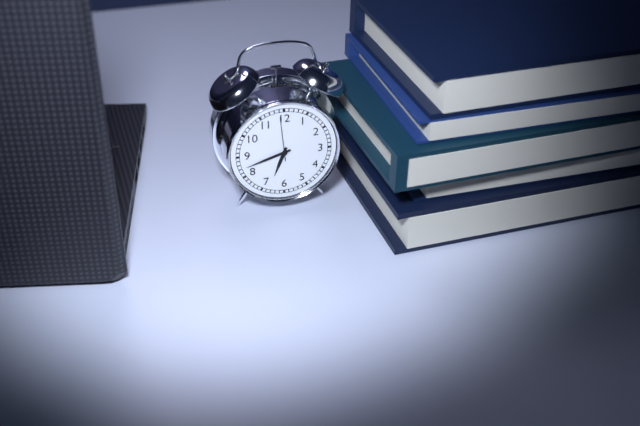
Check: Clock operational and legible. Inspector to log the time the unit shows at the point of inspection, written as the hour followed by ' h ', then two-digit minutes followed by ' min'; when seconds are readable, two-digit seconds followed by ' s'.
6 h 42 min
